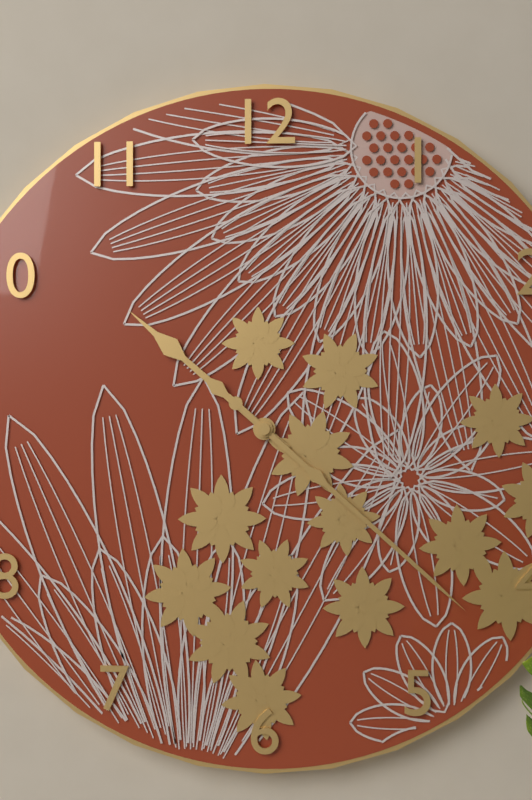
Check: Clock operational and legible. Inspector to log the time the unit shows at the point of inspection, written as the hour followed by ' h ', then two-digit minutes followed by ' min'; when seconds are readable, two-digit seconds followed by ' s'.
10 h 22 min
